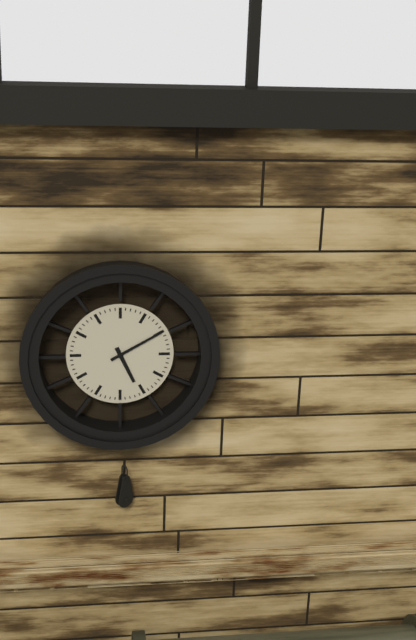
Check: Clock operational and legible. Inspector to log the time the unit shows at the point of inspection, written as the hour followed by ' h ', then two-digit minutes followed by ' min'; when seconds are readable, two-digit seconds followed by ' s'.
5 h 10 min
